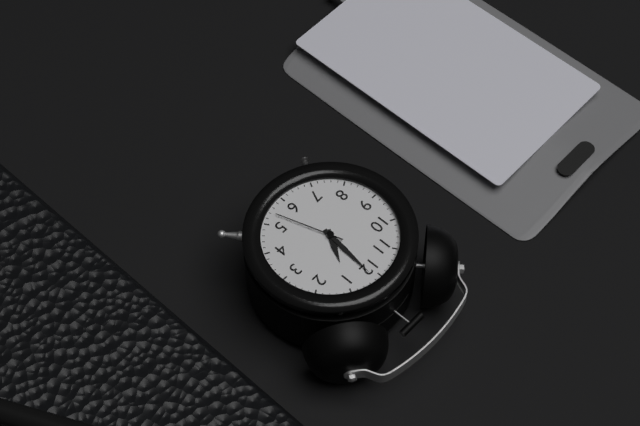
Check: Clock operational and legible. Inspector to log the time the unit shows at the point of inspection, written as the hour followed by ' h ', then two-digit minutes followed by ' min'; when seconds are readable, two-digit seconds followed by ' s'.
1 h 01 min 27 s
